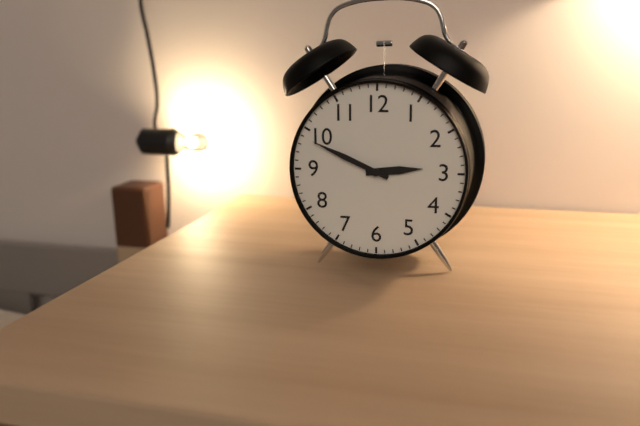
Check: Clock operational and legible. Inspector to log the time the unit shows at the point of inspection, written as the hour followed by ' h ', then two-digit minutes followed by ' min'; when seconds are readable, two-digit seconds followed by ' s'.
2 h 49 min
